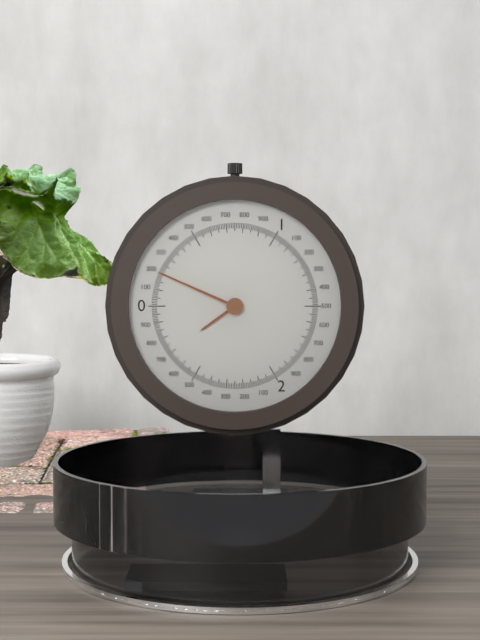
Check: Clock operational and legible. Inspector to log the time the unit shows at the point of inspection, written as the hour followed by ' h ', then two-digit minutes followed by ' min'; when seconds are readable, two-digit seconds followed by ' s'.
7 h 49 min
